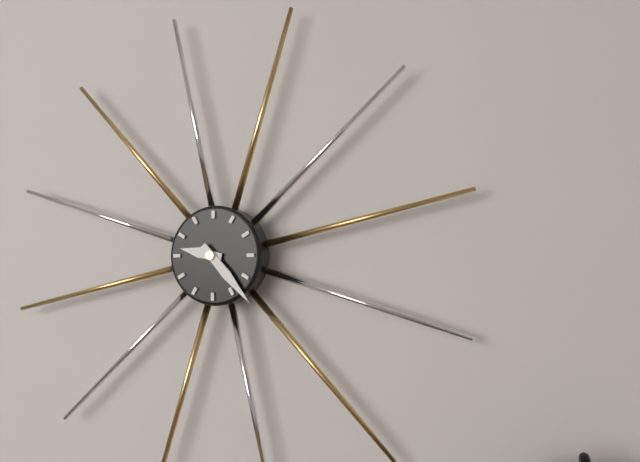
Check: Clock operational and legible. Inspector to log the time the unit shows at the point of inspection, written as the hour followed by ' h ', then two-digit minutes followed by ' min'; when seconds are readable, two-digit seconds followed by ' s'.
9 h 23 min
